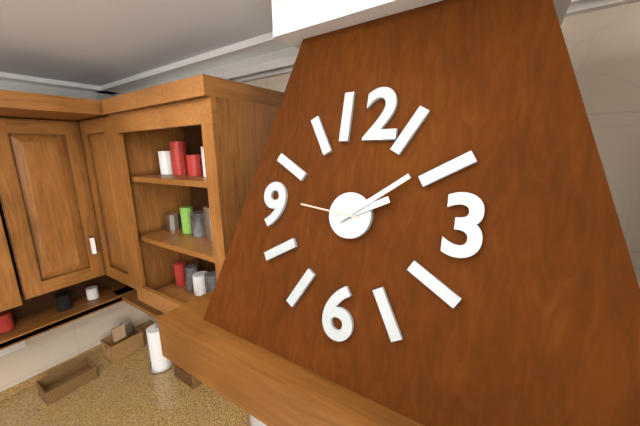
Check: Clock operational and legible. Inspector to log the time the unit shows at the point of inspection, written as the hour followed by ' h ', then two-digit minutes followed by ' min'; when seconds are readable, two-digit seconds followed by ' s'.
2 h 09 min 46 s
